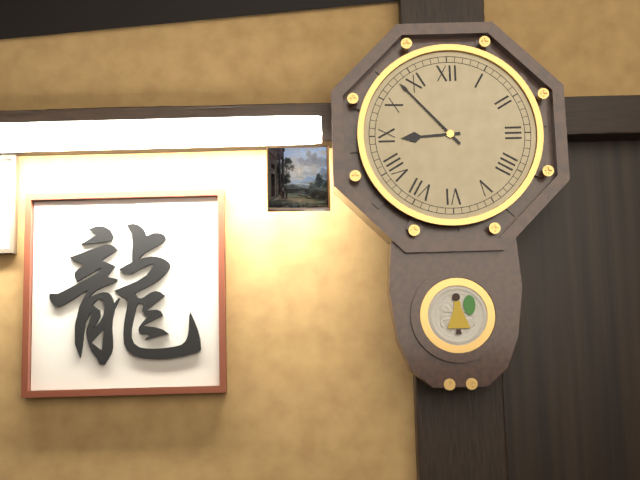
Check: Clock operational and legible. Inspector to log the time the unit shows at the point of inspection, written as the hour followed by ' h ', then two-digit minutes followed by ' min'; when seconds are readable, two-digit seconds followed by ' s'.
8 h 53 min
